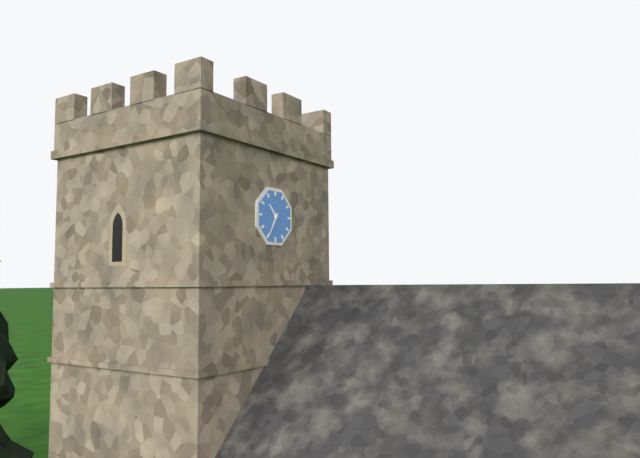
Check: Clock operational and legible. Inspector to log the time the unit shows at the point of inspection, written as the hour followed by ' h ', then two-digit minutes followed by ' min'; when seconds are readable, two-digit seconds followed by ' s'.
10 h 35 min
